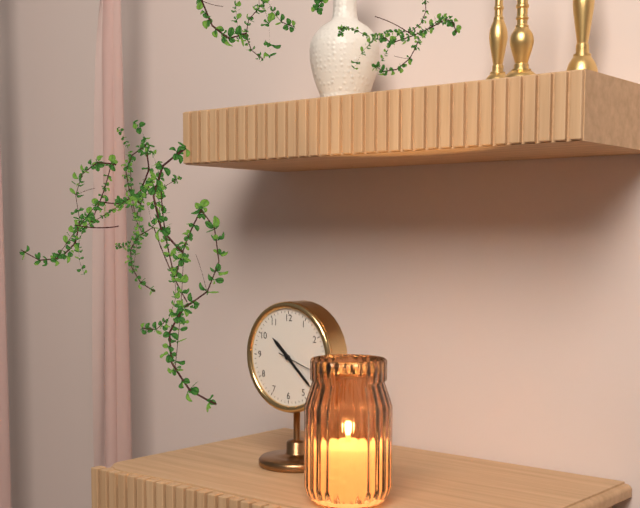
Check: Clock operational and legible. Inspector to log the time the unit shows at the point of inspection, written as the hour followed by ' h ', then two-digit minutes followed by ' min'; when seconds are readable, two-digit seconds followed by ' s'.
10 h 22 min
